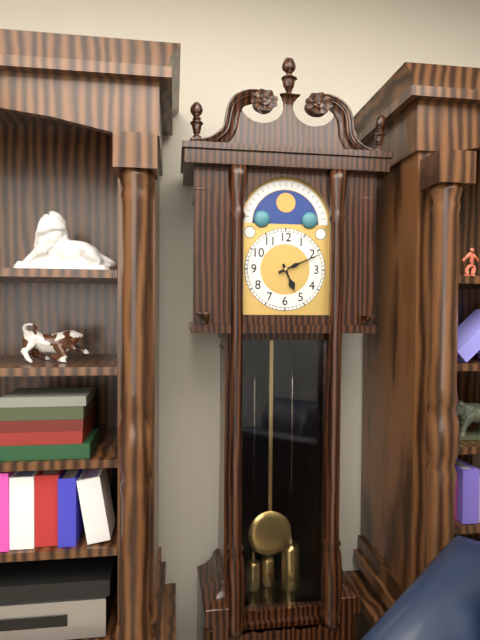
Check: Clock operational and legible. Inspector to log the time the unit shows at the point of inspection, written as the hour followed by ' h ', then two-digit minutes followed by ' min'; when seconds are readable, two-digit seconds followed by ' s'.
5 h 11 min
